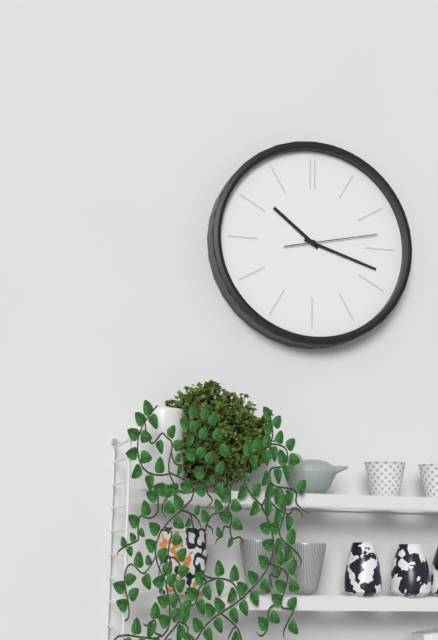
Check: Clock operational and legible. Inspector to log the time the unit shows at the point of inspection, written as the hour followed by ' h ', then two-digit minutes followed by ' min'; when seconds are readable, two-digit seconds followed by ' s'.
10 h 18 min 13 s
